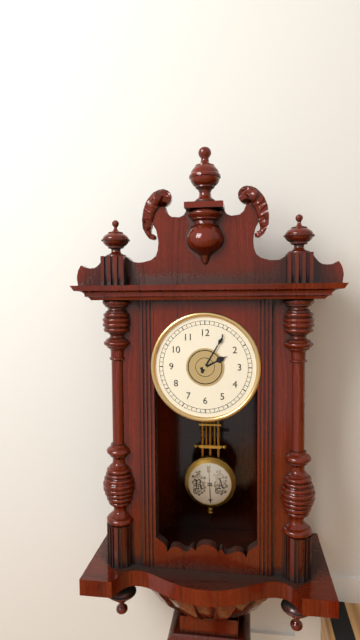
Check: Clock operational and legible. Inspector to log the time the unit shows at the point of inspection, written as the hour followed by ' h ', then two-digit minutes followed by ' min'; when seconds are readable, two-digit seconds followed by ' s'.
2 h 05 min
